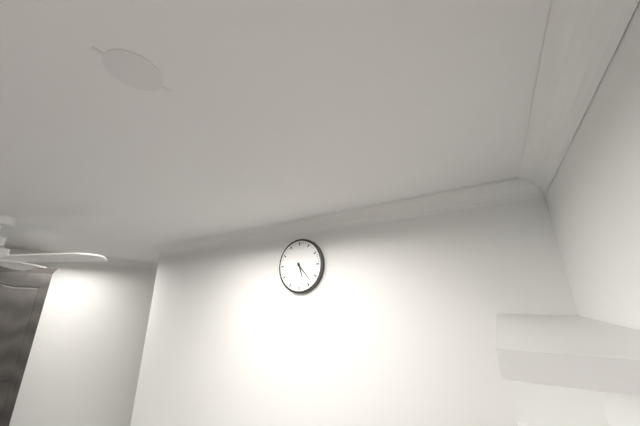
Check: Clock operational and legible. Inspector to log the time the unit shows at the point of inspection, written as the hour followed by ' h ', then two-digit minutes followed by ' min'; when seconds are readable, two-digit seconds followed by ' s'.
5 h 23 min
